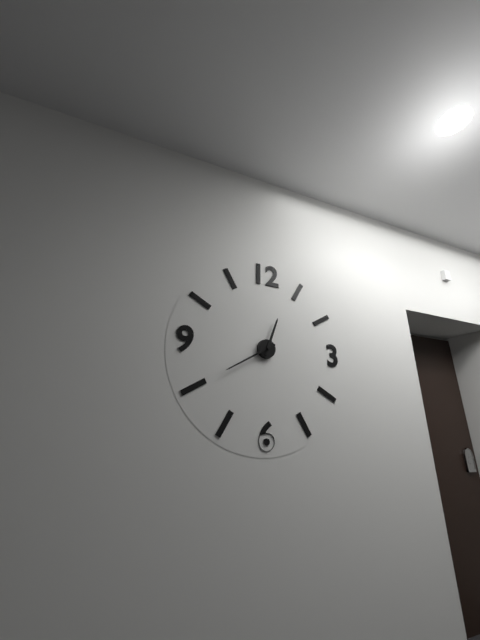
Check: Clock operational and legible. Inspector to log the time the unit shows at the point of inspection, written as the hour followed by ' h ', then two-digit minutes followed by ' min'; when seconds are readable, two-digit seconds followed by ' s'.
12 h 40 min
